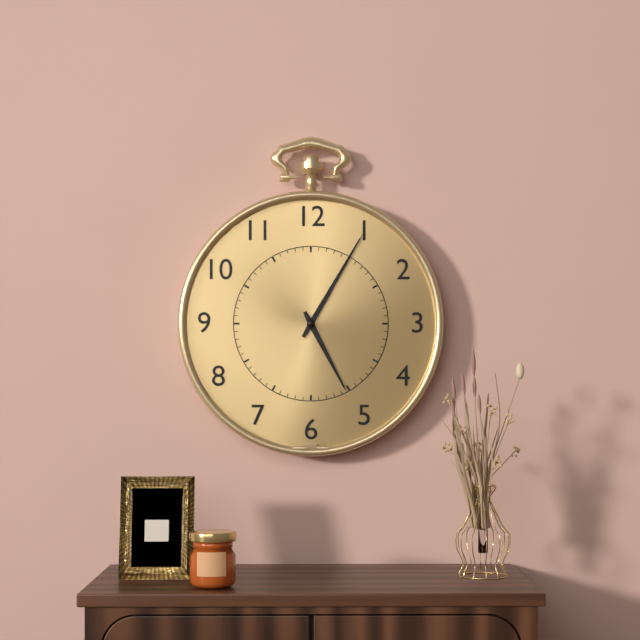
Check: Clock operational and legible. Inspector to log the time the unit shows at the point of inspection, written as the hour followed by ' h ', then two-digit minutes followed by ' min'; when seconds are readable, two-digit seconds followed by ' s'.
5 h 05 min
